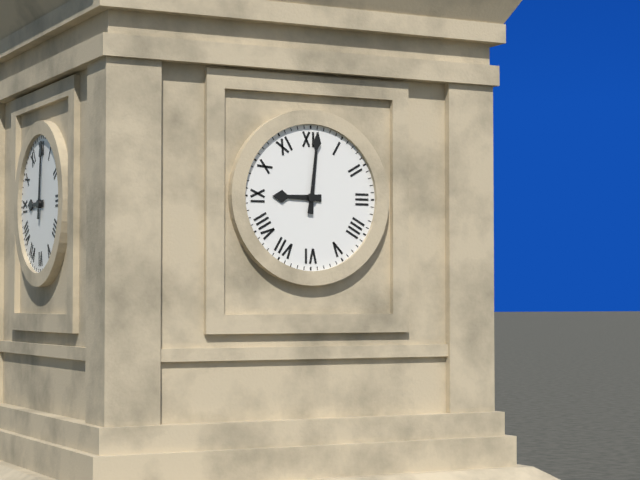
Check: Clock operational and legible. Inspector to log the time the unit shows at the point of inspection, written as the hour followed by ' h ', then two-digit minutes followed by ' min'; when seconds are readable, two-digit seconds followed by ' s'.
9 h 01 min
